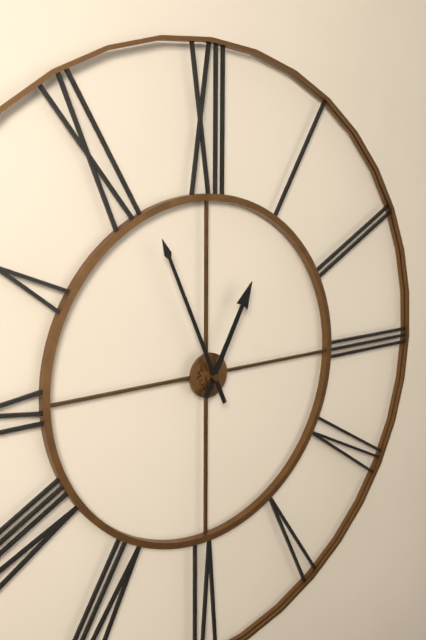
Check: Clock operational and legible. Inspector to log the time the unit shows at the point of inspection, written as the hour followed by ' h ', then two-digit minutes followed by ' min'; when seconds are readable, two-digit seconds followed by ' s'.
12 h 56 min
